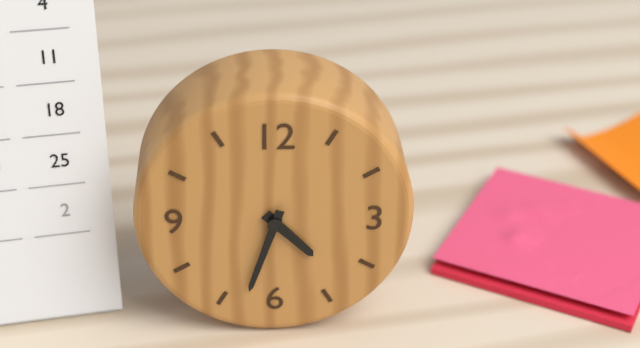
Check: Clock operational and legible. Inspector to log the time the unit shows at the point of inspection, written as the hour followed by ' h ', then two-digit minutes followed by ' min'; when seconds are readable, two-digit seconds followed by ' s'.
4 h 33 min
